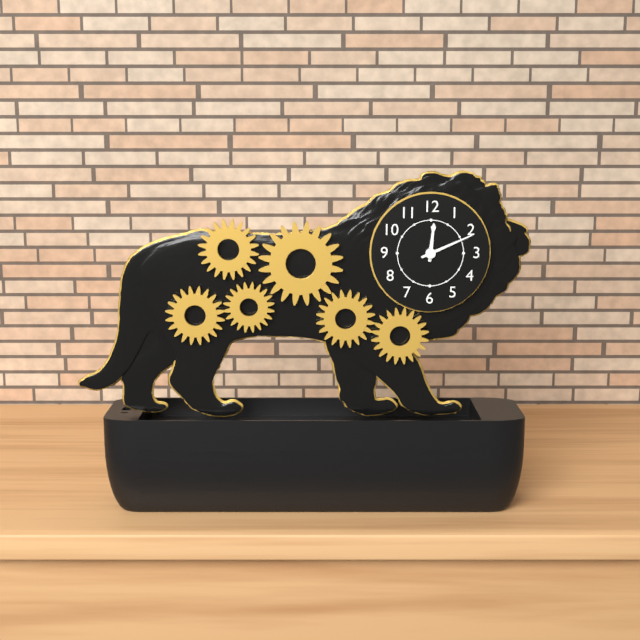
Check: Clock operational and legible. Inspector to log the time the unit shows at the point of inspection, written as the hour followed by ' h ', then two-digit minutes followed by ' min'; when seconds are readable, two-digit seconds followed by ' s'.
12 h 11 min
